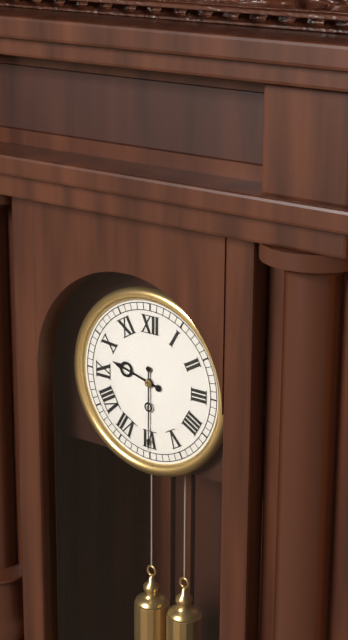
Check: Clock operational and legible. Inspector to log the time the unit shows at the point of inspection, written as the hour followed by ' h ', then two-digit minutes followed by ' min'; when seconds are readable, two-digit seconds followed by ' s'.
9 h 30 min
